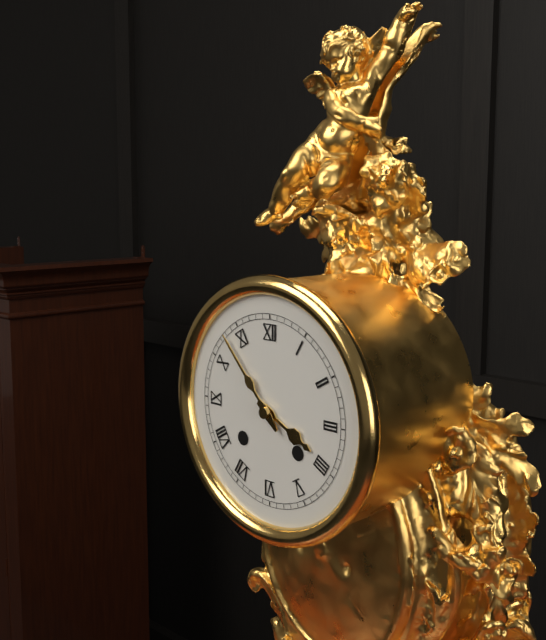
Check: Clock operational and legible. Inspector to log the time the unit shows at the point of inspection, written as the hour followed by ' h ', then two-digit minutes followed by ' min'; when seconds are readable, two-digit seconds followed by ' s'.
3 h 53 min
